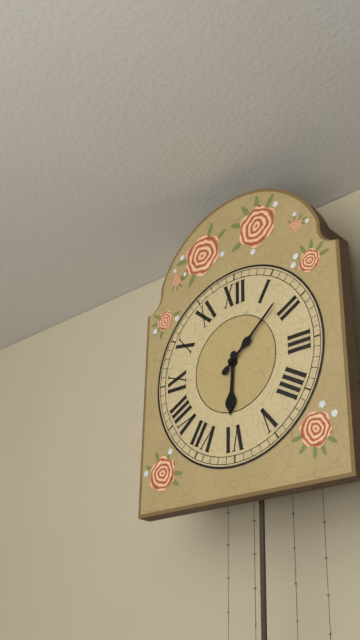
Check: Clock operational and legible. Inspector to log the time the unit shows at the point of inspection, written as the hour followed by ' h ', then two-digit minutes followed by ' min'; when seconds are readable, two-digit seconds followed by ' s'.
6 h 08 min
